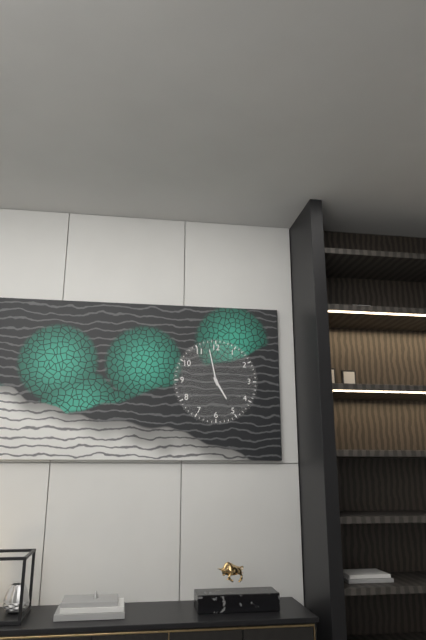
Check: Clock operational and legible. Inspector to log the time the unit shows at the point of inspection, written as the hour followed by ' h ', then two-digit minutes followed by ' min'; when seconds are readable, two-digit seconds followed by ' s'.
4 h 58 min
